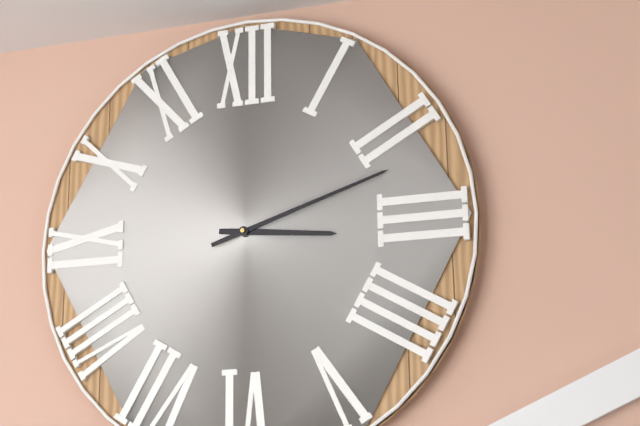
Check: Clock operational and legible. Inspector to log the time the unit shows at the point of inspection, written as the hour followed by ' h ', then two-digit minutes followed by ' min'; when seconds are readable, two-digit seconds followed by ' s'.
3 h 12 min
